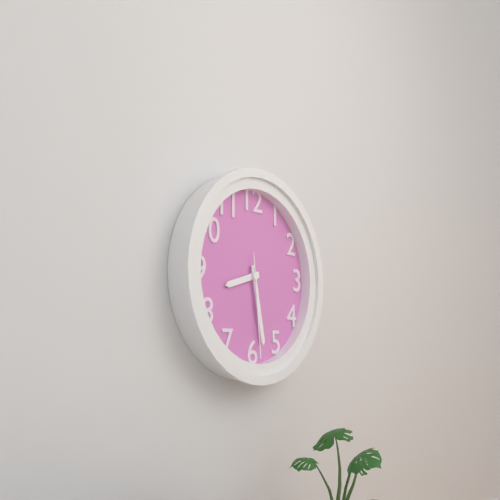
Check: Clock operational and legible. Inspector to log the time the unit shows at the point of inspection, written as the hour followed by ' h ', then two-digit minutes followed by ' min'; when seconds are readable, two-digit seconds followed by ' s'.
8 h 28 min 29 s
